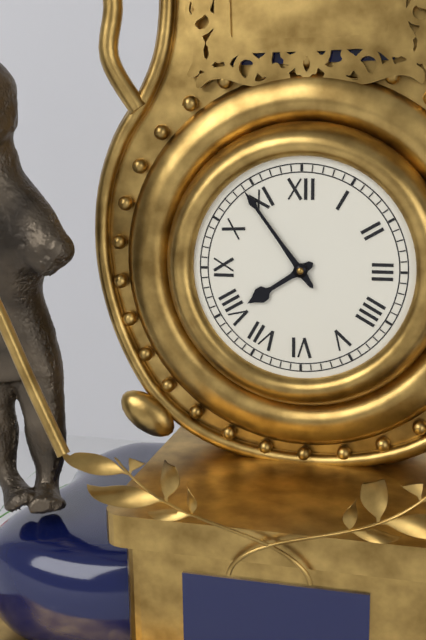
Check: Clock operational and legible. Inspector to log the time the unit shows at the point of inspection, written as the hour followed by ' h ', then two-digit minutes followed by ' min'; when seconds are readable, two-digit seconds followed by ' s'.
7 h 54 min
